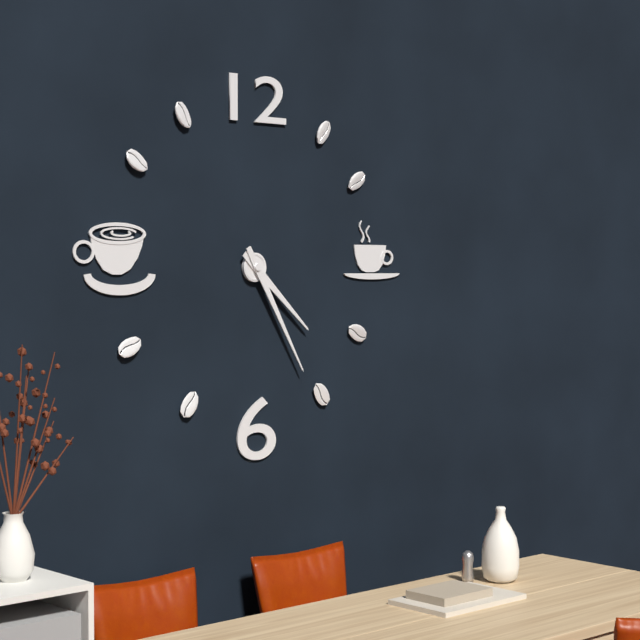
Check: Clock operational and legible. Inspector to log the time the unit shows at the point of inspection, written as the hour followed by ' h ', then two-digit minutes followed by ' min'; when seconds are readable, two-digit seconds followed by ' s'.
4 h 25 min
